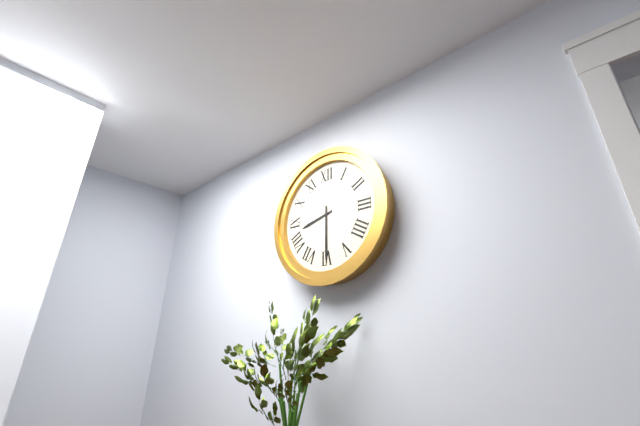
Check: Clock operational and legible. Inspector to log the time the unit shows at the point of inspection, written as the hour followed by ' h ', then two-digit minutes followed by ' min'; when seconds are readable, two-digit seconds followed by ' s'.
8 h 30 min
